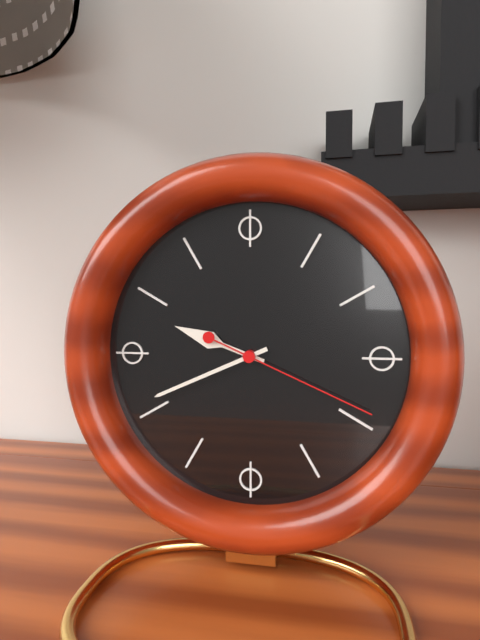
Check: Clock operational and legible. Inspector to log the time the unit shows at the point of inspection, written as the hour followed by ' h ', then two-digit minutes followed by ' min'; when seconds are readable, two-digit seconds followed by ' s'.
9 h 41 min 19 s
